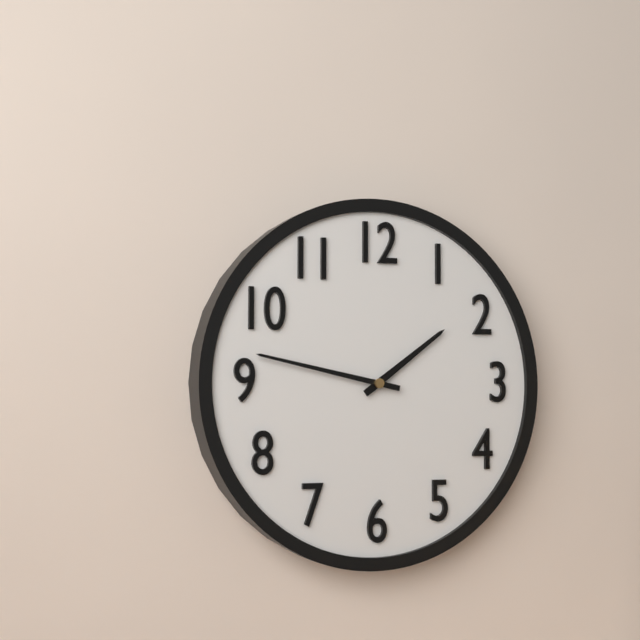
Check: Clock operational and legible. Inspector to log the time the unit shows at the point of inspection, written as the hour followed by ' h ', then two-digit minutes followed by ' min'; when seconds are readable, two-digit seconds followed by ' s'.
1 h 47 min
